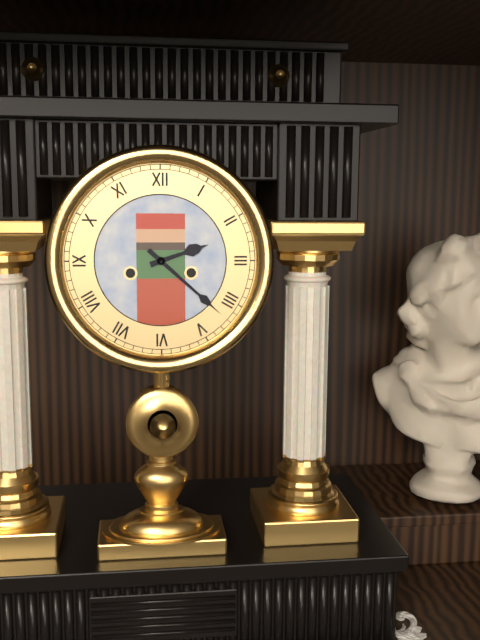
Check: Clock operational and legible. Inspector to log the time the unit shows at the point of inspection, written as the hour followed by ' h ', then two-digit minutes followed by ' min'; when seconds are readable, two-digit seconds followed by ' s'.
2 h 22 min
